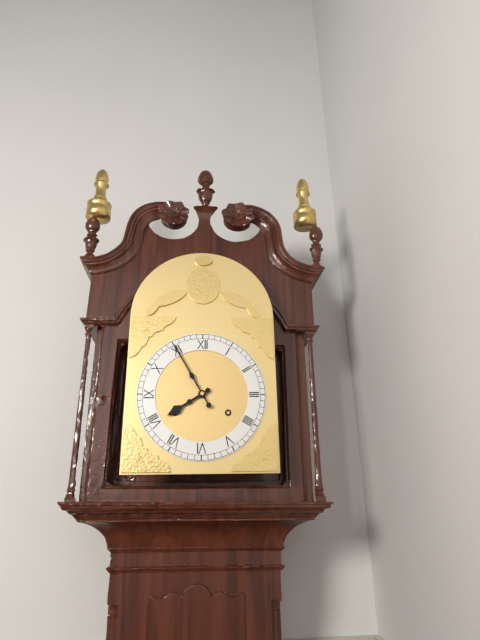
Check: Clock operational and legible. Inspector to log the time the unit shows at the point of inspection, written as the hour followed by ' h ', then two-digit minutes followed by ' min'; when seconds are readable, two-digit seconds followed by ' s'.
7 h 55 min
